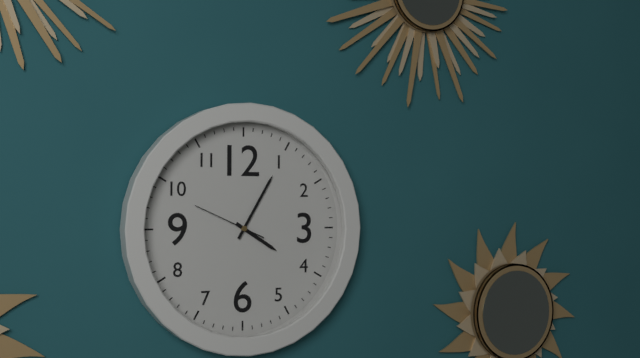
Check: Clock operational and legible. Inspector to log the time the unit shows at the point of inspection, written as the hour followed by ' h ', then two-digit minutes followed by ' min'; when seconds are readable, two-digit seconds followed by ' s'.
4 h 05 min 49 s
